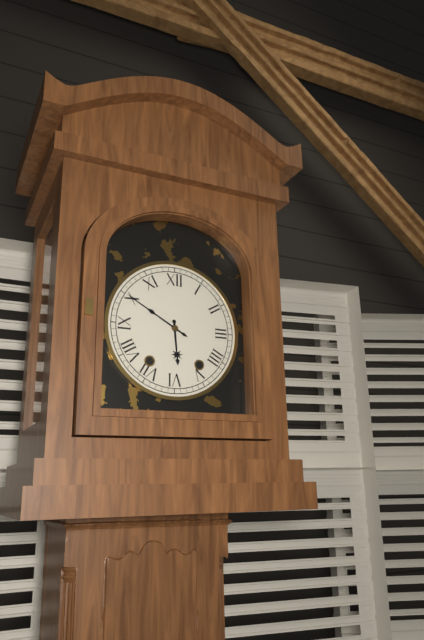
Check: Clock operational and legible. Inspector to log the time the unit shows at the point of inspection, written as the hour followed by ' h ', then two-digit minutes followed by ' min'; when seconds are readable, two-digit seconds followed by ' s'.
5 h 50 min
